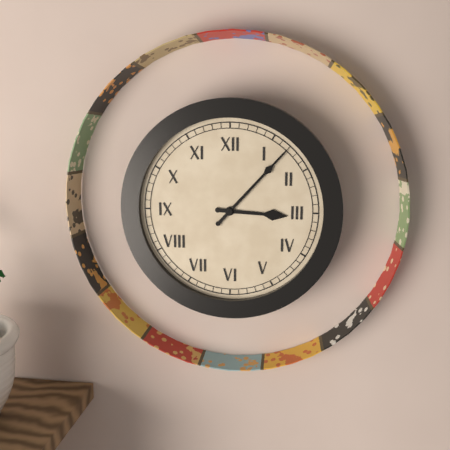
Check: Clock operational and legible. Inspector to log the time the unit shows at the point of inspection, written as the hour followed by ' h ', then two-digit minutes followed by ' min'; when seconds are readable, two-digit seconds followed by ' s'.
3 h 07 min
